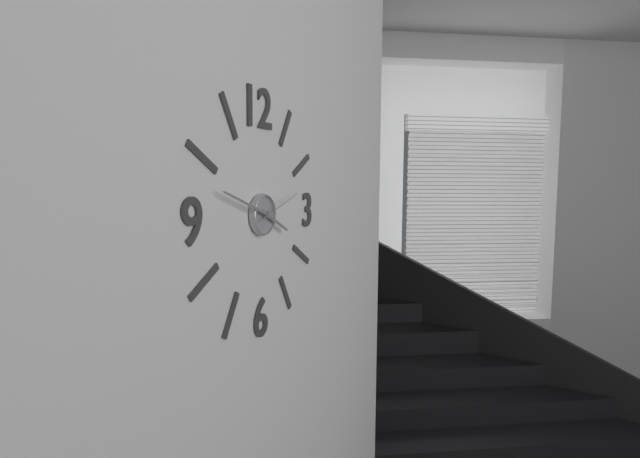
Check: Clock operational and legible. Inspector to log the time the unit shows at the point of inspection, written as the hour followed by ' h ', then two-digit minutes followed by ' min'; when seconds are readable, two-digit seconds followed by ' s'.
3 h 48 min
